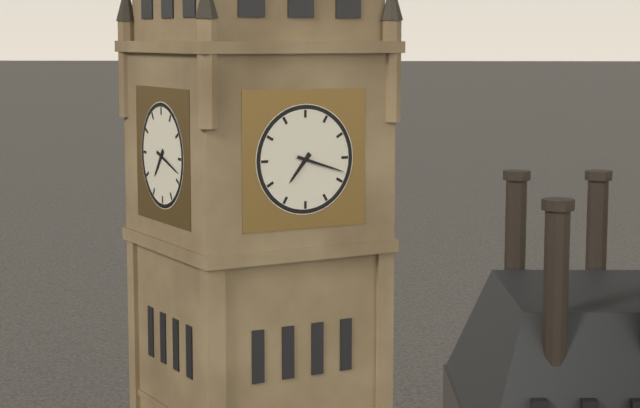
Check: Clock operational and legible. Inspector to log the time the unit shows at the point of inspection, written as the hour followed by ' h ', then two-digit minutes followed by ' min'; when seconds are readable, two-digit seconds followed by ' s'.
7 h 18 min
